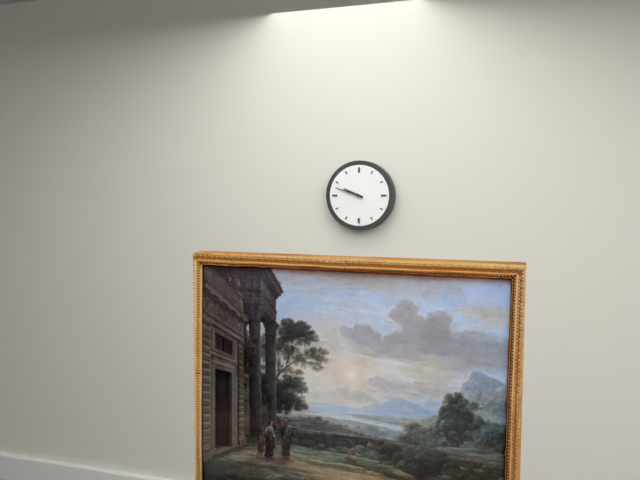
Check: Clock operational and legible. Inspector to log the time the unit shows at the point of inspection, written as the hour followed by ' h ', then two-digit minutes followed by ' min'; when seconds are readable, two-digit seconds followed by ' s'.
9 h 48 min
